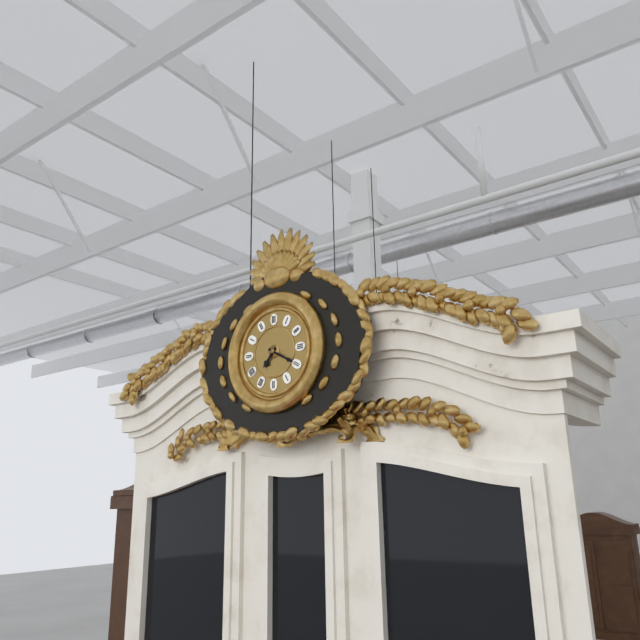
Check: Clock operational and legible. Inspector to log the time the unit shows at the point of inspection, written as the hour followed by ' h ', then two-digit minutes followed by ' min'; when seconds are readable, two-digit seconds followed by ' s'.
7 h 20 min
